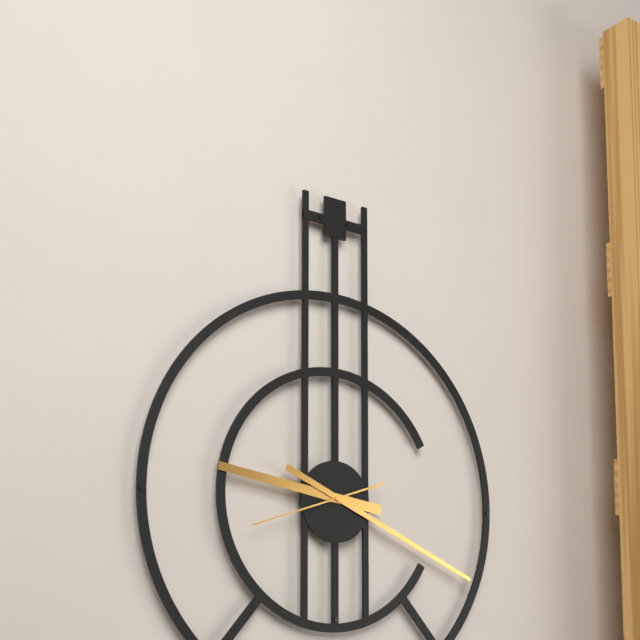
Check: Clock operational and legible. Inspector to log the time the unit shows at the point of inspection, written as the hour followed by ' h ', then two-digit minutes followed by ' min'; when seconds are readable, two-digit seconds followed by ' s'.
9 h 19 min 42 s
